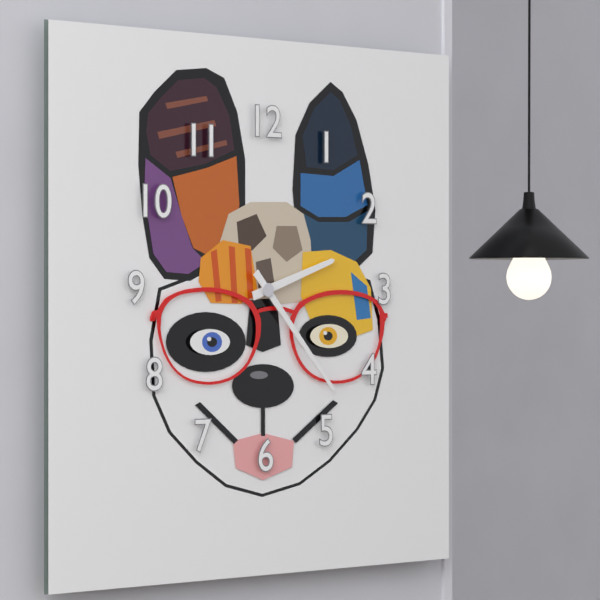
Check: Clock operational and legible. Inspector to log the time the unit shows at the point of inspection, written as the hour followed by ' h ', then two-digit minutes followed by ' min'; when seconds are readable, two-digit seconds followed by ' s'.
2 h 23 min
